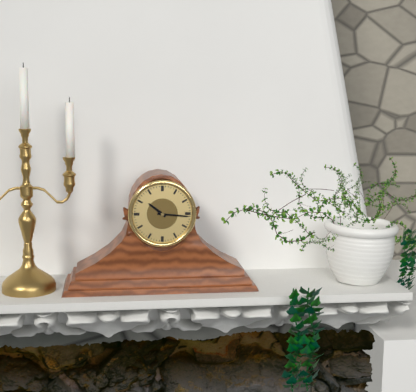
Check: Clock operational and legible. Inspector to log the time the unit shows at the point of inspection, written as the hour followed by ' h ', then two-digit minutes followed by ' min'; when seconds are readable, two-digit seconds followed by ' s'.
10 h 16 min
